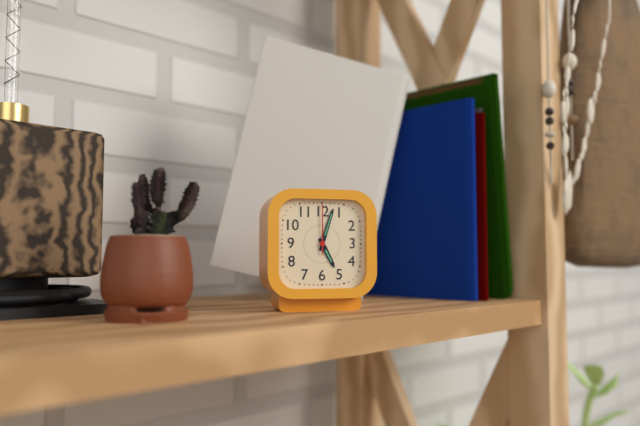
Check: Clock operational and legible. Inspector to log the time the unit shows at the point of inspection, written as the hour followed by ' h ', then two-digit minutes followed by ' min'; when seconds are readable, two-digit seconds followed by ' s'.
5 h 03 min 00 s
